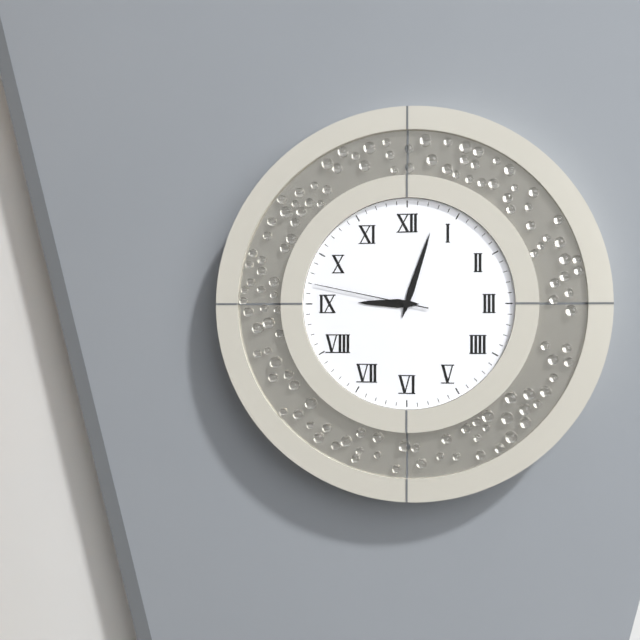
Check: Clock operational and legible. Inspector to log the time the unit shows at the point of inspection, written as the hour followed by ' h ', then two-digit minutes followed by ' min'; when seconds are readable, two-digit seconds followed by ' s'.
9 h 03 min 47 s
